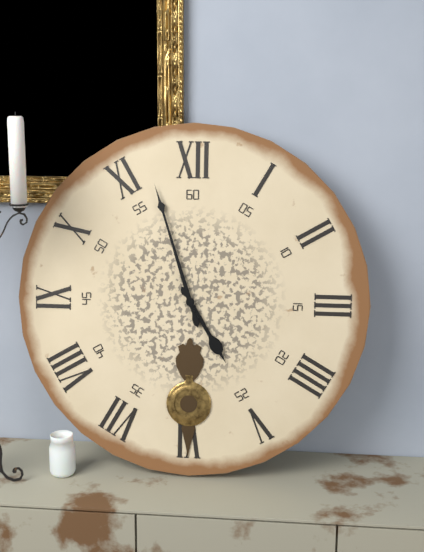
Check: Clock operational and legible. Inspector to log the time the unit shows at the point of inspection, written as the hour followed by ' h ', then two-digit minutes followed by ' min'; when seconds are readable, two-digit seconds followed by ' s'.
4 h 57 min
